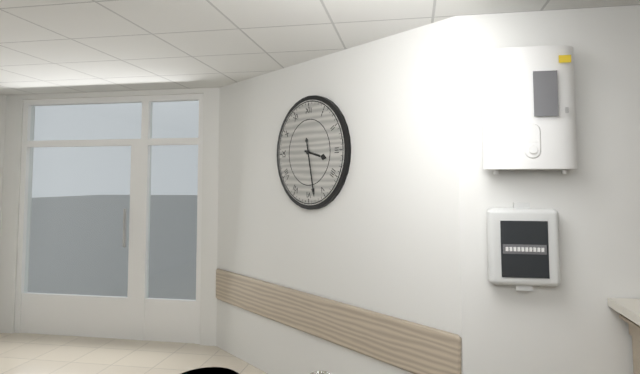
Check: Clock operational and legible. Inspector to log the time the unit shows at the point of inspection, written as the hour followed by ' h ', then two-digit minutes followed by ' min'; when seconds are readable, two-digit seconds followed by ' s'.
3 h 28 min
